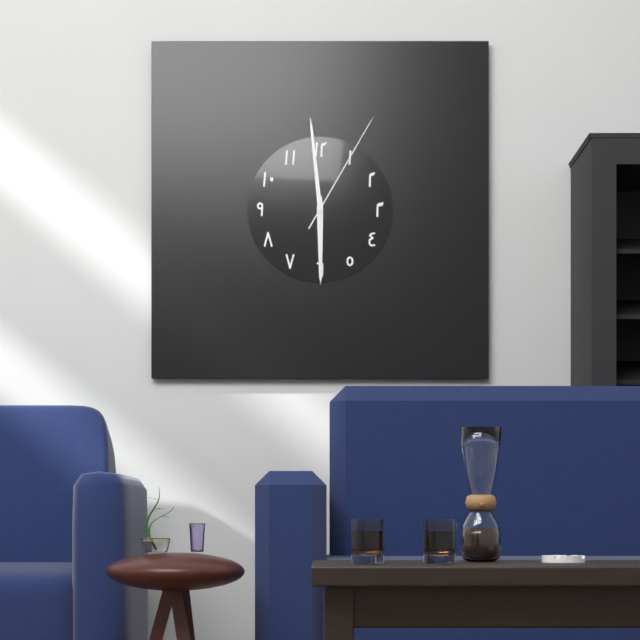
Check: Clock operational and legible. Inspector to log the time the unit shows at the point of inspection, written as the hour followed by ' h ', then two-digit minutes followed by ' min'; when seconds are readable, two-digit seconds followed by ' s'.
5 h 59 min 05 s
